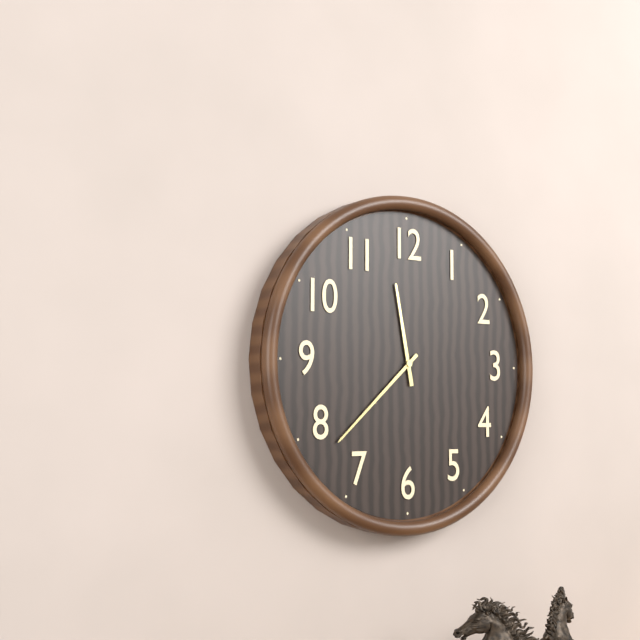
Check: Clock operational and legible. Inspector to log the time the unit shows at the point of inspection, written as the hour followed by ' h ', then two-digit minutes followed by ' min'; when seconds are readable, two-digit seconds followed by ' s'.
11 h 38 min
